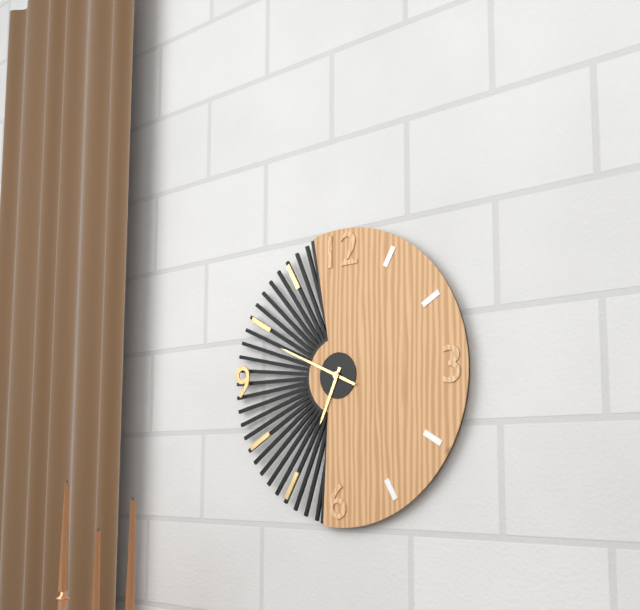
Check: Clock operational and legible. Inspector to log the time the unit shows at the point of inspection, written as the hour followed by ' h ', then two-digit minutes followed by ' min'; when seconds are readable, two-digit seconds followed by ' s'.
6 h 49 min
